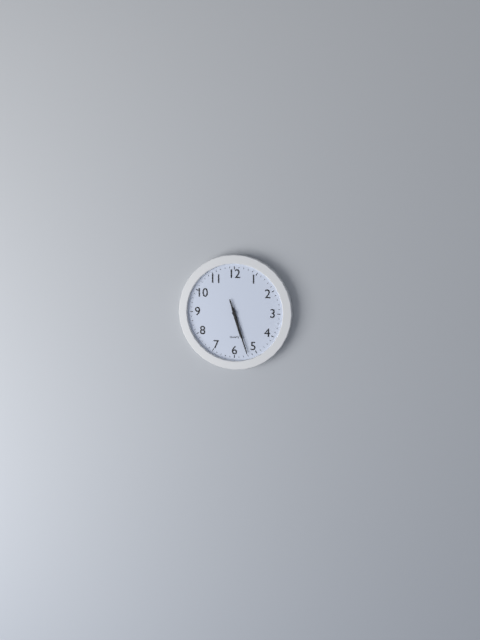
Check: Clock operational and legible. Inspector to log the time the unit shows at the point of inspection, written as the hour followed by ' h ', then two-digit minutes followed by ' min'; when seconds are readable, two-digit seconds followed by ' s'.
5 h 27 min
